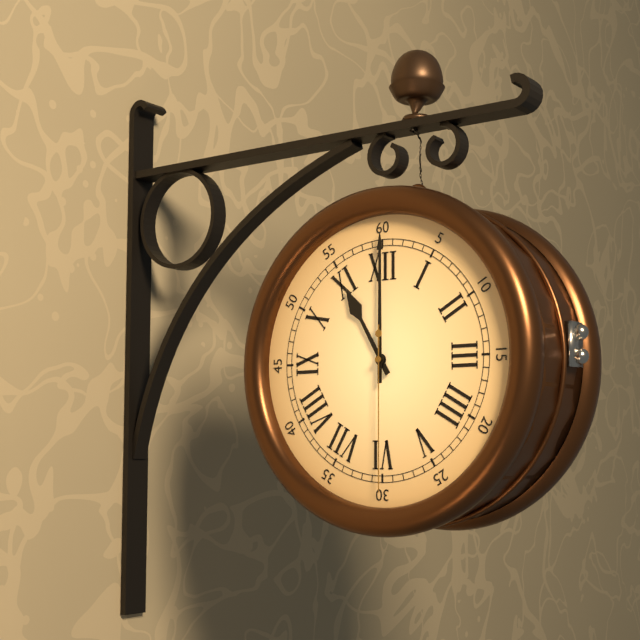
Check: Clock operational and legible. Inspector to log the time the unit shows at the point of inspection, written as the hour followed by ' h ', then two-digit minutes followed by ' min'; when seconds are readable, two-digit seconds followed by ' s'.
11 h 00 min 30 s
